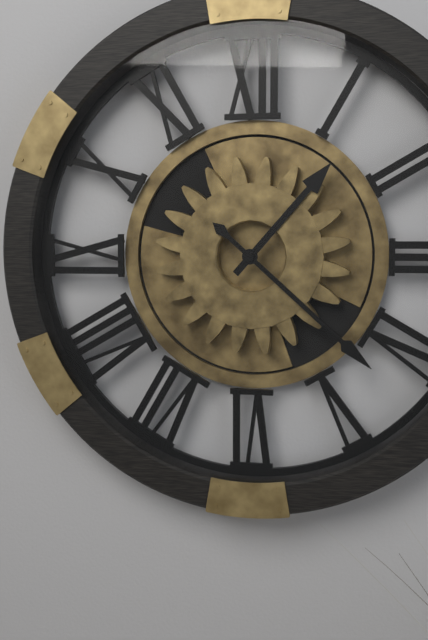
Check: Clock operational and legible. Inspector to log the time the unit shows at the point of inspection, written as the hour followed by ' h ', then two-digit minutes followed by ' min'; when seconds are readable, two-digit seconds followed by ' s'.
1 h 22 min
